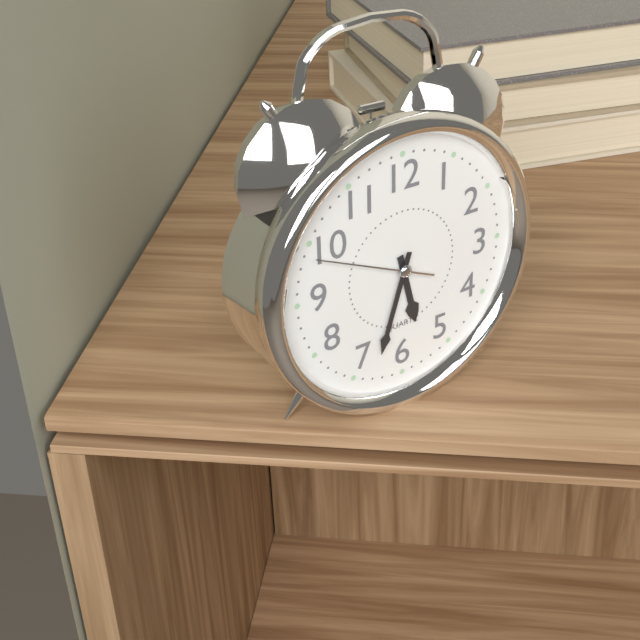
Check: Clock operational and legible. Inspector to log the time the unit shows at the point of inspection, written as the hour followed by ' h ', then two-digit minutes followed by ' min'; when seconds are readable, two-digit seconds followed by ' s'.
5 h 33 min 49 s
